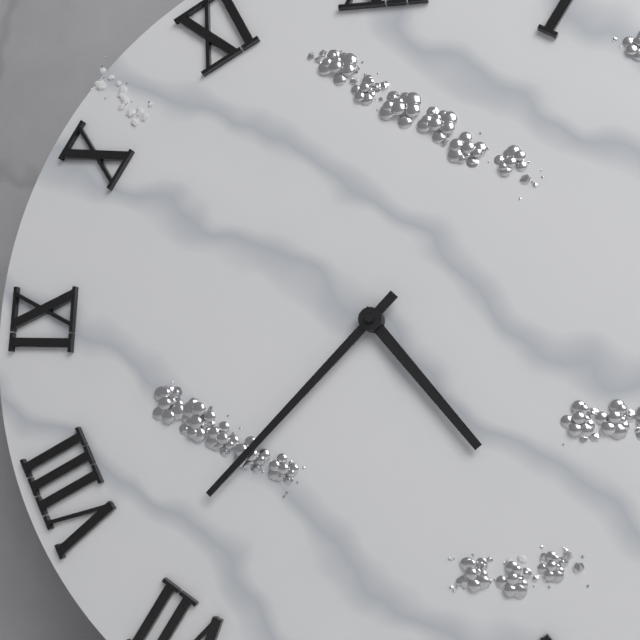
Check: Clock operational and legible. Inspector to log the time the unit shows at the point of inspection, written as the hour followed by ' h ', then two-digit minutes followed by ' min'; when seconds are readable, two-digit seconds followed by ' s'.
4 h 37 min
